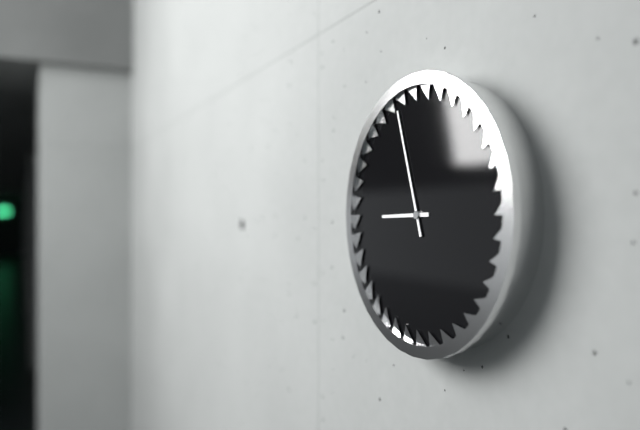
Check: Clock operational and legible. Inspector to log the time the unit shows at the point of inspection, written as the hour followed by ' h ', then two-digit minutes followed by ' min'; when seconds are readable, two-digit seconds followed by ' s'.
8 h 57 min
